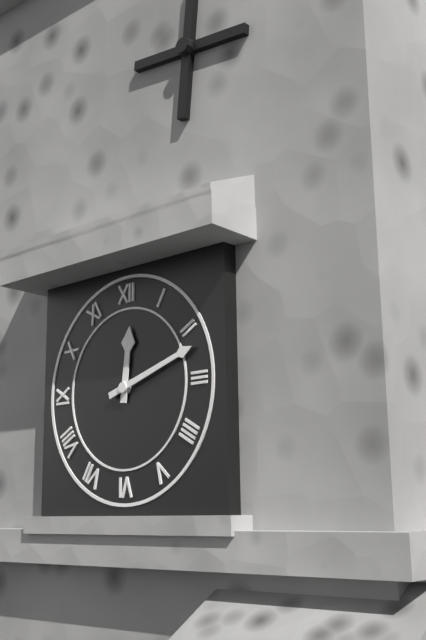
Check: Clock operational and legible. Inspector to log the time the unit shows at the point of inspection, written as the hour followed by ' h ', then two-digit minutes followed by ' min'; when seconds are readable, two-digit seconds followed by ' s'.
12 h 12 min
